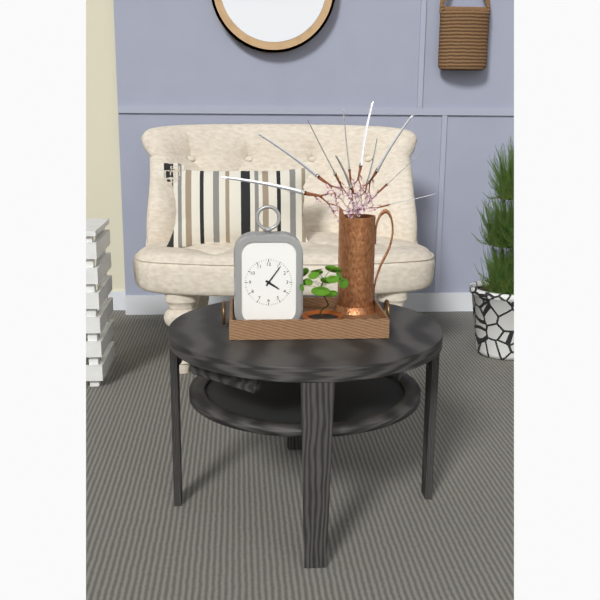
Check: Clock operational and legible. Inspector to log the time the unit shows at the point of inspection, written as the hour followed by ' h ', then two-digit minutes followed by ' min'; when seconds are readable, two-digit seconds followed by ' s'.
4 h 06 min
